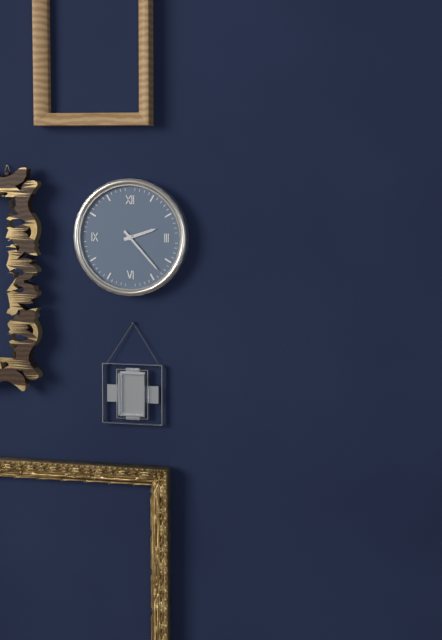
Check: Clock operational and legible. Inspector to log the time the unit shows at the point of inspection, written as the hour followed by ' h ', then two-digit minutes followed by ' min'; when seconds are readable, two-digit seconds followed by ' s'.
2 h 23 min
